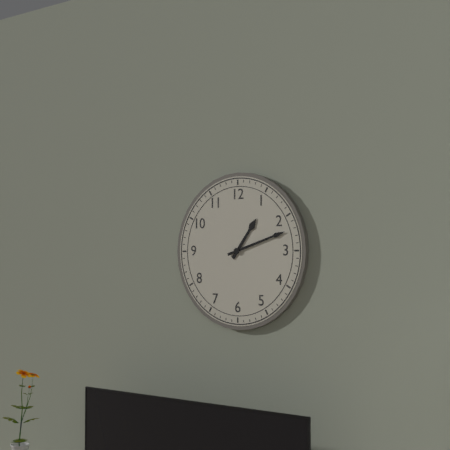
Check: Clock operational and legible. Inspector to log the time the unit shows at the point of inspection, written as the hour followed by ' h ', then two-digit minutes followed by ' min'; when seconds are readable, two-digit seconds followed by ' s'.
1 h 12 min
